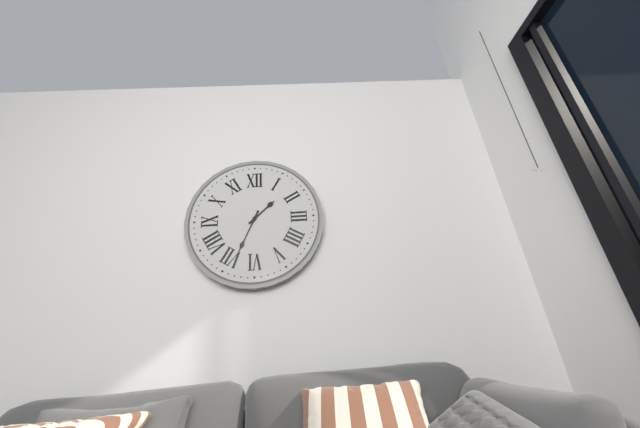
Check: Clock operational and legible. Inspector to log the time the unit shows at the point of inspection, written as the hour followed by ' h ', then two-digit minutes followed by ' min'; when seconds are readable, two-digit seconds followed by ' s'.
1 h 34 min
